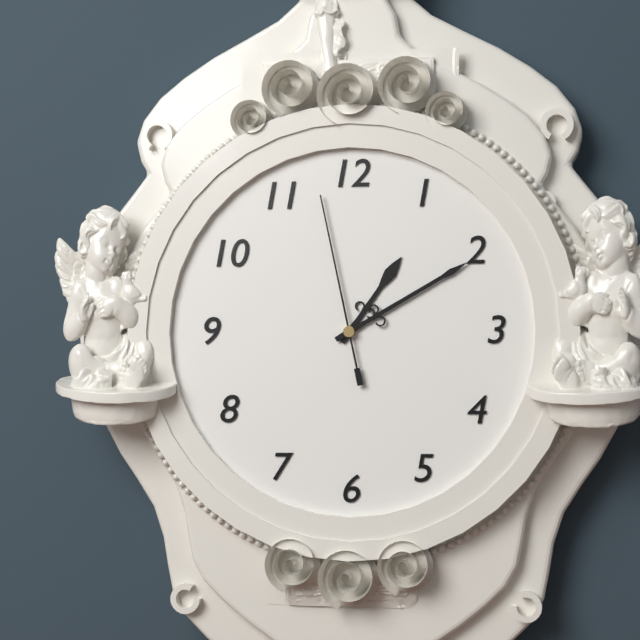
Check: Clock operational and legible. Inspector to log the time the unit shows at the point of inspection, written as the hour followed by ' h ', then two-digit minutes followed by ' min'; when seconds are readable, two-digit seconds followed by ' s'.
1 h 10 min 58 s
